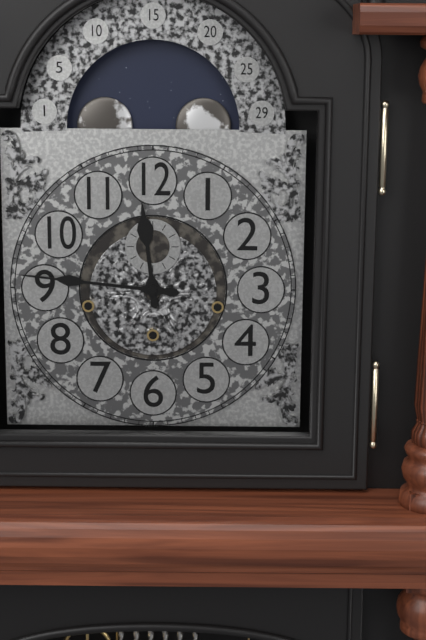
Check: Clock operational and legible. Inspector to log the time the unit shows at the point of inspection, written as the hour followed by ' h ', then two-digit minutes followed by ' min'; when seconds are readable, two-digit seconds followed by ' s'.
11 h 46 min
